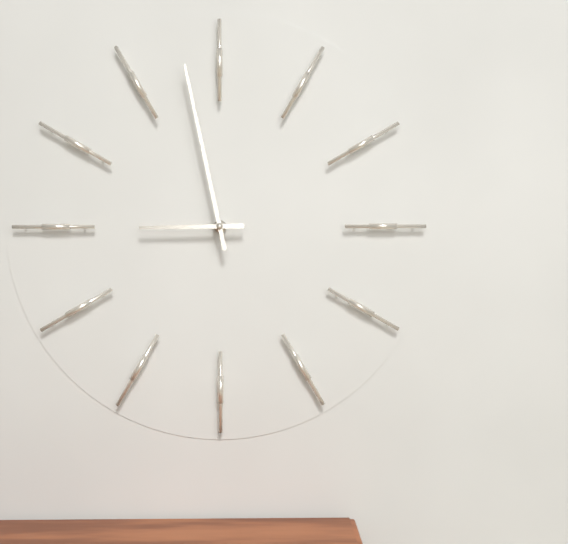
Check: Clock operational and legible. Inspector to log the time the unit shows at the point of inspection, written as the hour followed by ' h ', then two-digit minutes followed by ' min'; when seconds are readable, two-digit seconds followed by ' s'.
8 h 58 min
